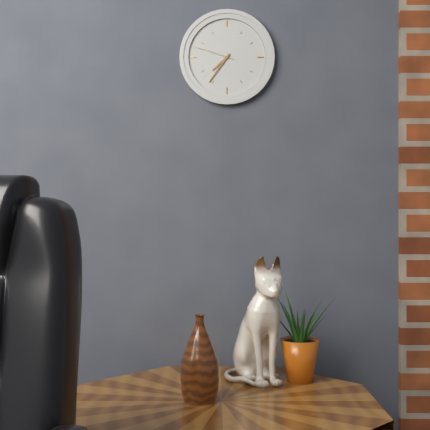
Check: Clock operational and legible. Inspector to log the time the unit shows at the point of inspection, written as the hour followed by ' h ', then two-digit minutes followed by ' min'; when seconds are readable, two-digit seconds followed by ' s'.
7 h 36 min
